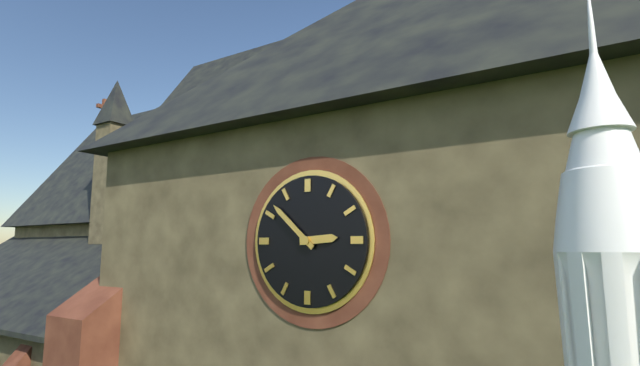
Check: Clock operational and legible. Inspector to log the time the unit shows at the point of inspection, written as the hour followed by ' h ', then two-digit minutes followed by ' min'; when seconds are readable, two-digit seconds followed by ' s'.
2 h 52 min
